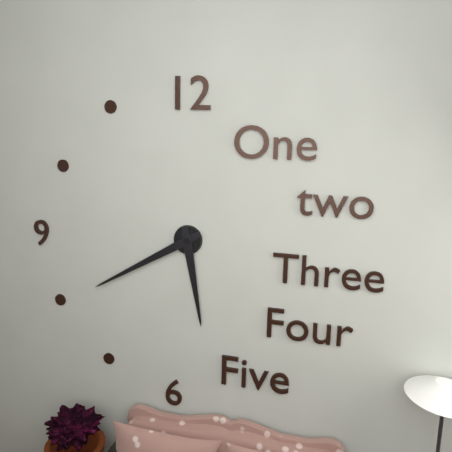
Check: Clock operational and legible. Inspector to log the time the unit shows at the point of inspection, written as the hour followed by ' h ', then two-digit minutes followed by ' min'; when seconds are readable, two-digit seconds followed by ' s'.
5 h 40 min
